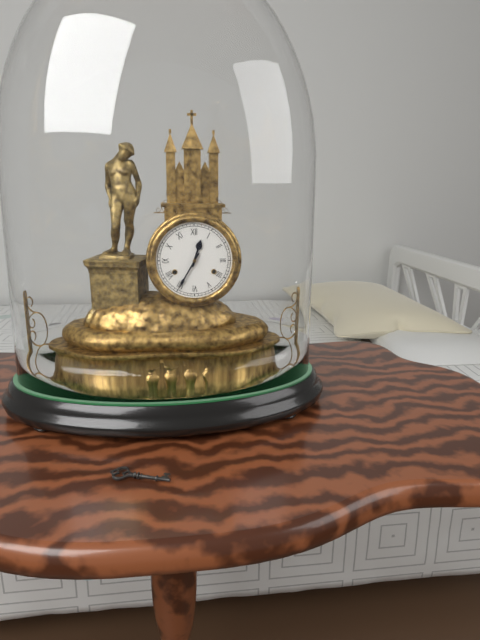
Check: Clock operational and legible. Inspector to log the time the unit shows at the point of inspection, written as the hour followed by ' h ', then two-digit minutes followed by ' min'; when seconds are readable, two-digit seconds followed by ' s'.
12 h 35 min
